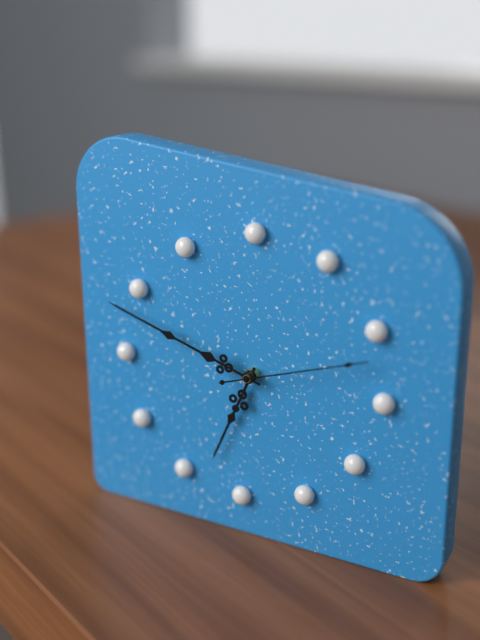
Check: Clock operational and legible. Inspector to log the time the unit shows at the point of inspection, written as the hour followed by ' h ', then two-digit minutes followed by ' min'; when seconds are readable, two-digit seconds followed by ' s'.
6 h 48 min 12 s
